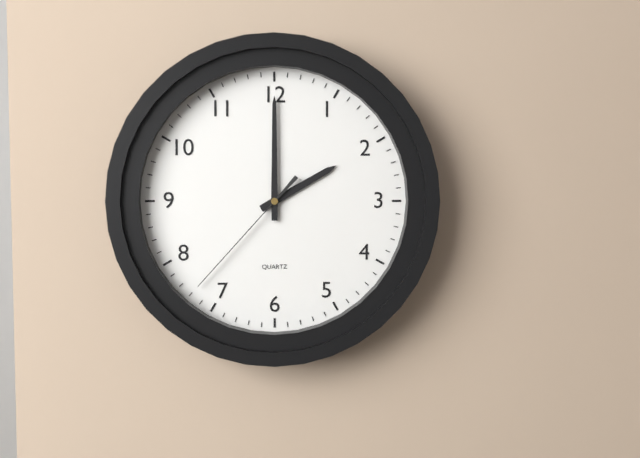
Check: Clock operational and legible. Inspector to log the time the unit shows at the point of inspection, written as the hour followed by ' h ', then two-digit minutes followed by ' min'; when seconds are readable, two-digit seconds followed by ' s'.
2 h 00 min 37 s
